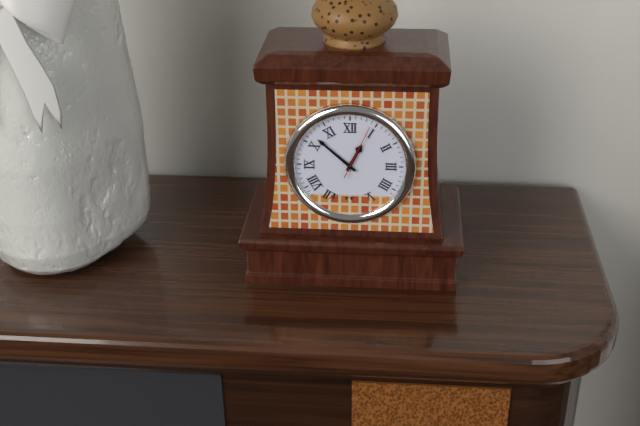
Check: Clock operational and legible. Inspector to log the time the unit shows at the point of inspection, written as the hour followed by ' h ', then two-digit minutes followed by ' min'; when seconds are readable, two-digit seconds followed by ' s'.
12 h 52 min 04 s
